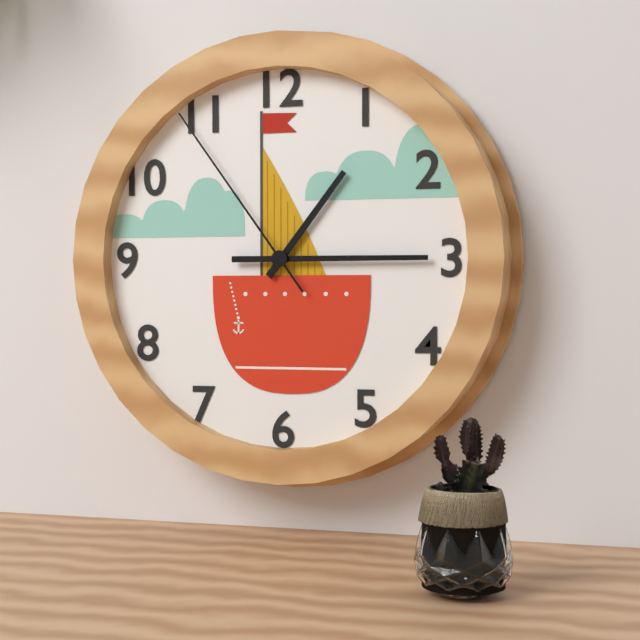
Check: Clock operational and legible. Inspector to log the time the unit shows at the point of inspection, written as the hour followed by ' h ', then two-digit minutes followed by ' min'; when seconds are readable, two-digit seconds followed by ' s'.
1 h 15 min 54 s
